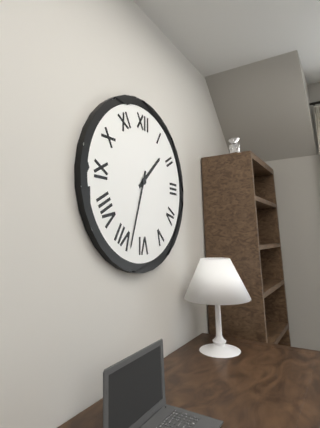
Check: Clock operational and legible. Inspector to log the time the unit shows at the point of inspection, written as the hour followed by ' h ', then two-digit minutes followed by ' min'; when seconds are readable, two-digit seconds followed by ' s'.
1 h 33 min
